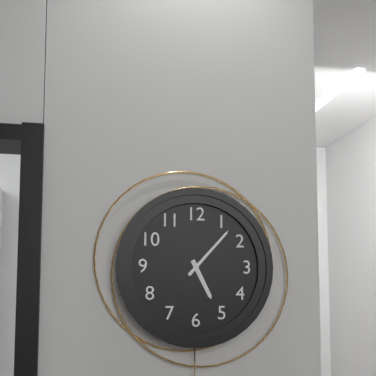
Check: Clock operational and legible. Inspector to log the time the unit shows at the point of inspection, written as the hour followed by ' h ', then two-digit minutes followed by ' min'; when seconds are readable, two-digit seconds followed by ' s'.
5 h 07 min
